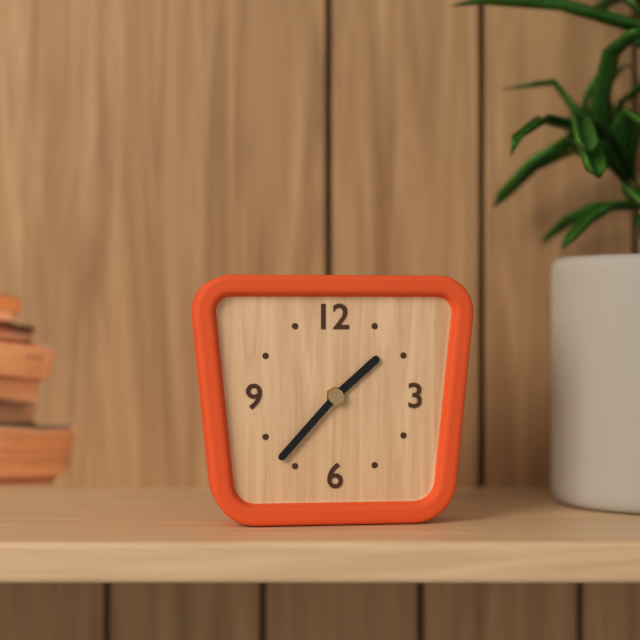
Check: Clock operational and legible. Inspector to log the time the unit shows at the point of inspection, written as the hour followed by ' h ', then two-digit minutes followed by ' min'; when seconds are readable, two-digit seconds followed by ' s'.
1 h 37 min
